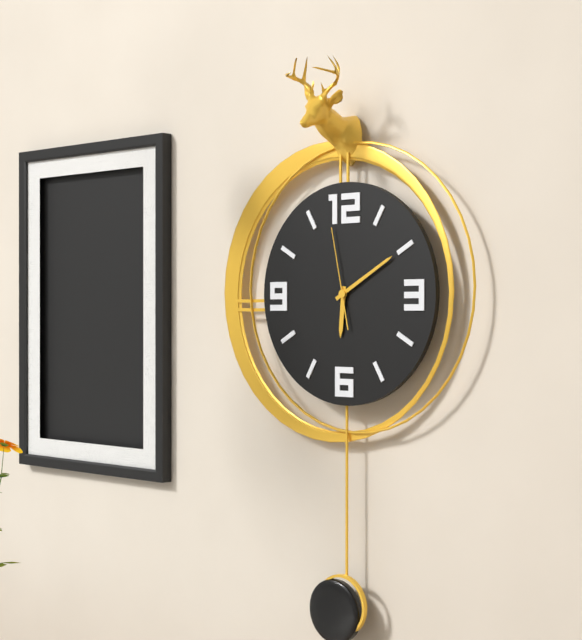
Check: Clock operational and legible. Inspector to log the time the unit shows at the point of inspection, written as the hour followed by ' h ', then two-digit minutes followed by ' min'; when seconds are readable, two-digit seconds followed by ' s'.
6 h 10 min 58 s
